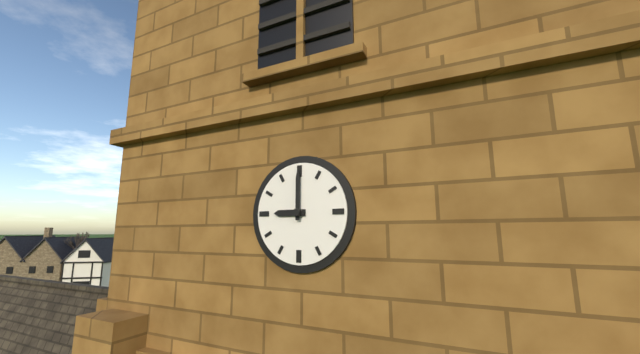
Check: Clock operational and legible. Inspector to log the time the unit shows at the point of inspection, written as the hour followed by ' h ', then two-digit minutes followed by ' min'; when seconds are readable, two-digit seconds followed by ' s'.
9 h 00 min
